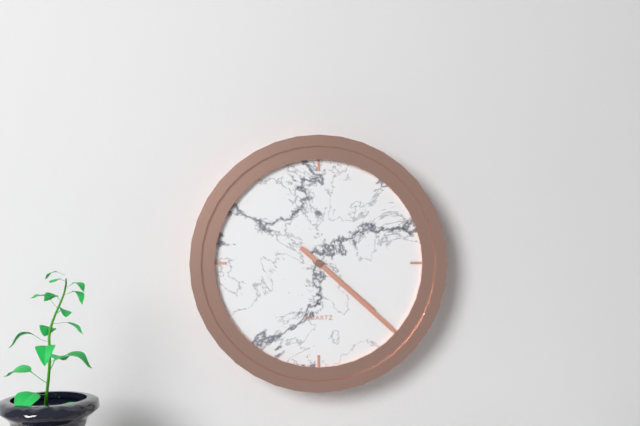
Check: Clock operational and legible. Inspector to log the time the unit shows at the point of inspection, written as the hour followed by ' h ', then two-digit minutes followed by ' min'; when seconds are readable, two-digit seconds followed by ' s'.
4 h 22 min
